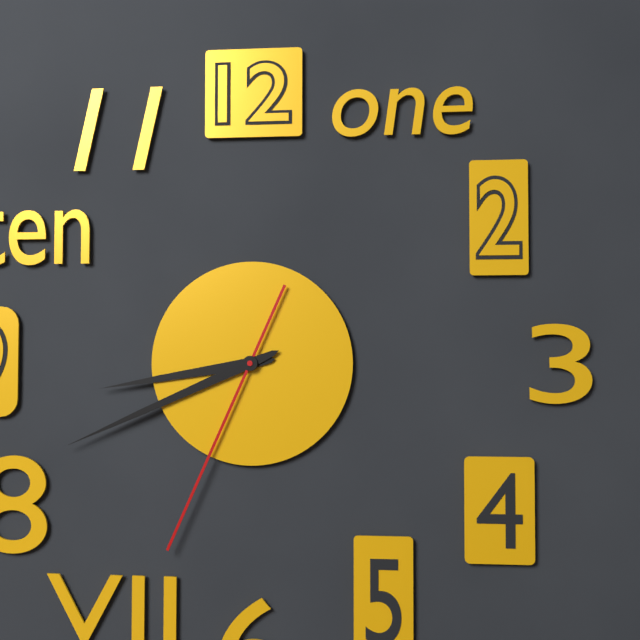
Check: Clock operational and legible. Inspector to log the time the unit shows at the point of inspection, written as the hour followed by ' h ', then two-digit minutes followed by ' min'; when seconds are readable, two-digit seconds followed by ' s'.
8 h 41 min 34 s
